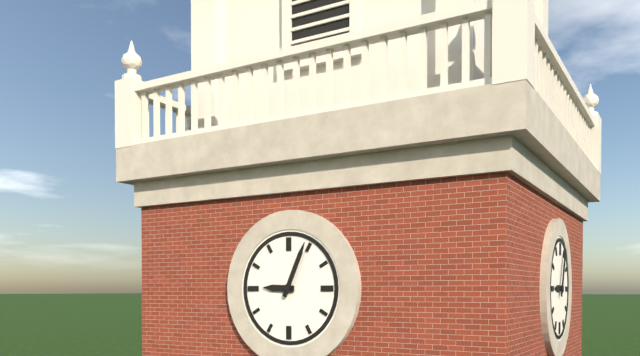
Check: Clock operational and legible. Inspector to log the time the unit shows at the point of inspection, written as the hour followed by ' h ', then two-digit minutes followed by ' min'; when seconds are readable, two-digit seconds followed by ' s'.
9 h 04 min
